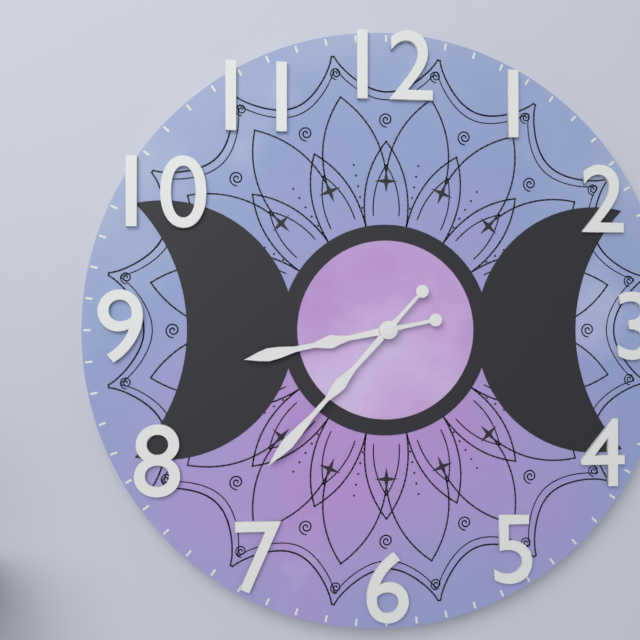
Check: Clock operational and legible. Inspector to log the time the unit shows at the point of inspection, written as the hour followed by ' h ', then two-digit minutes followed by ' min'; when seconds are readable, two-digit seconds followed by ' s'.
8 h 37 min
